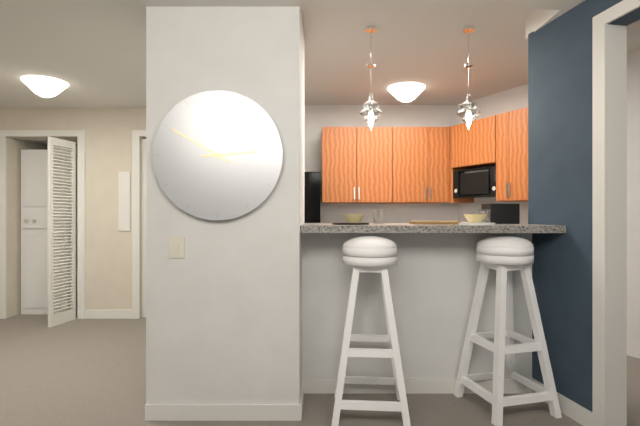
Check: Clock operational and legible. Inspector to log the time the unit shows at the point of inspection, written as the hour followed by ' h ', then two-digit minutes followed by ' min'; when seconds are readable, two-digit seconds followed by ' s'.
2 h 50 min
